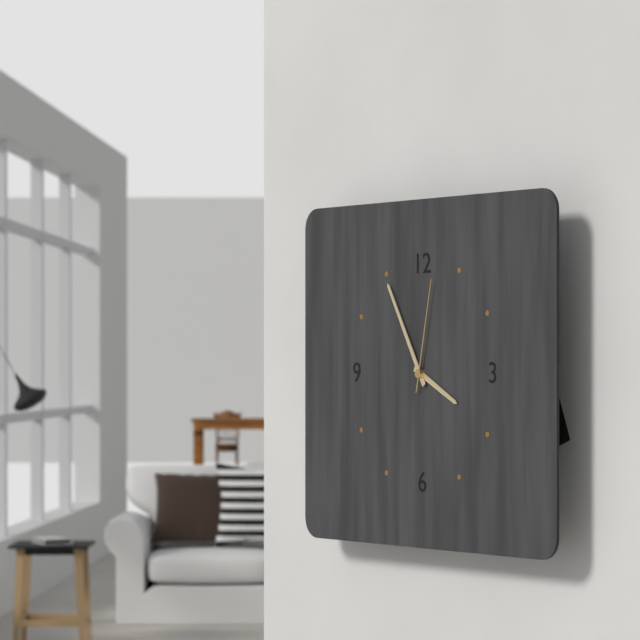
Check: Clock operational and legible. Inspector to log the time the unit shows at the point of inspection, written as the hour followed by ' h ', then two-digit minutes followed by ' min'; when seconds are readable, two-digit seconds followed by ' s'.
3 h 55 min 02 s
